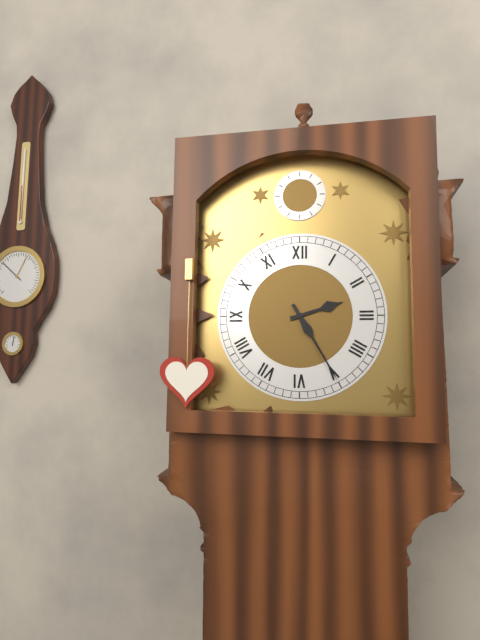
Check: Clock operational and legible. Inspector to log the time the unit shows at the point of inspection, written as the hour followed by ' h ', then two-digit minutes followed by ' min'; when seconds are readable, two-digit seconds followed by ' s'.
2 h 25 min
